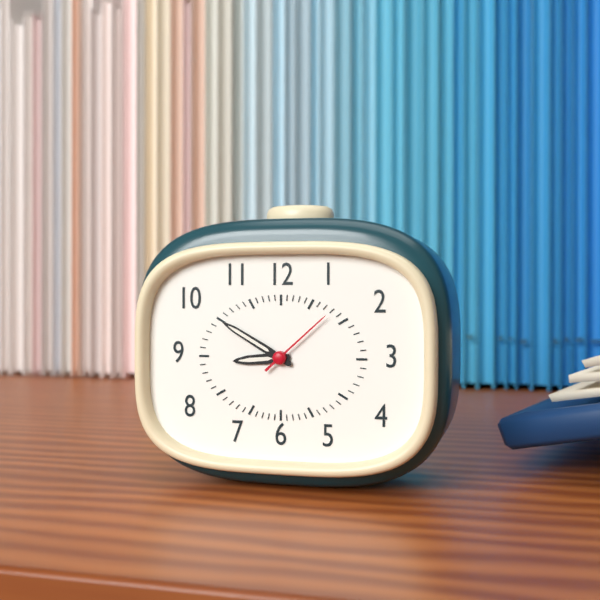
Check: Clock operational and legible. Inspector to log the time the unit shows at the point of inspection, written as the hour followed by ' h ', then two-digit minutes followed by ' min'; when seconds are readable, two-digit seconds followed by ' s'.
8 h 50 min 08 s
